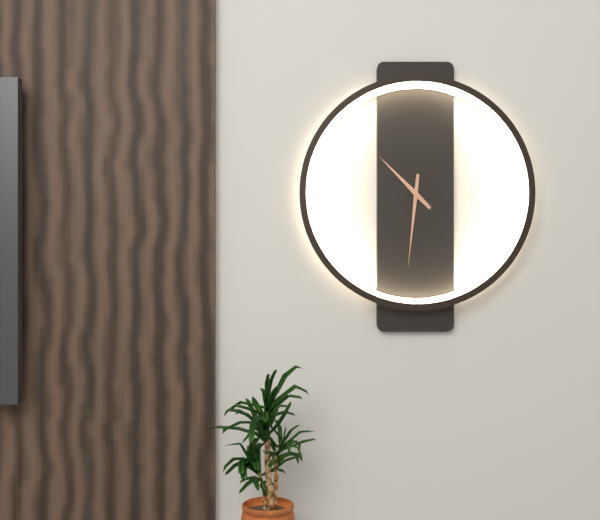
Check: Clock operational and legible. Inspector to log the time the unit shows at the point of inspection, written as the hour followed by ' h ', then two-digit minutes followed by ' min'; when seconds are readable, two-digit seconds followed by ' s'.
10 h 31 min
